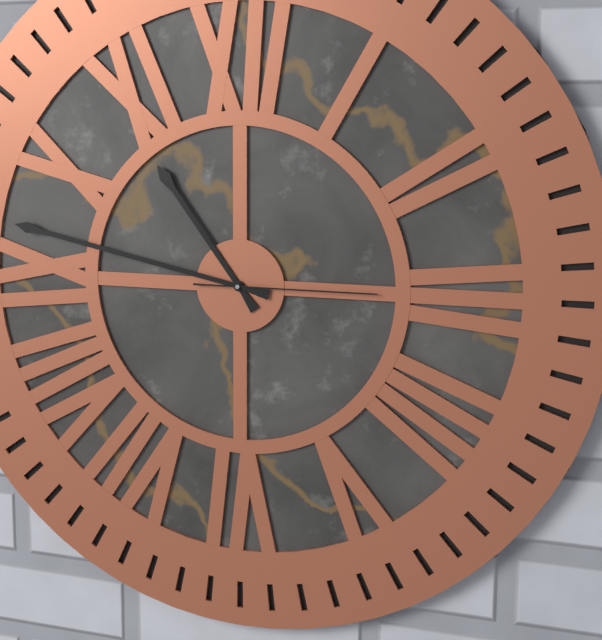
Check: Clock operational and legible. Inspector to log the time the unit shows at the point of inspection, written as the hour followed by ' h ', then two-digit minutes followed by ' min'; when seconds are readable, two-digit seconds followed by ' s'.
10 h 47 min 15 s
